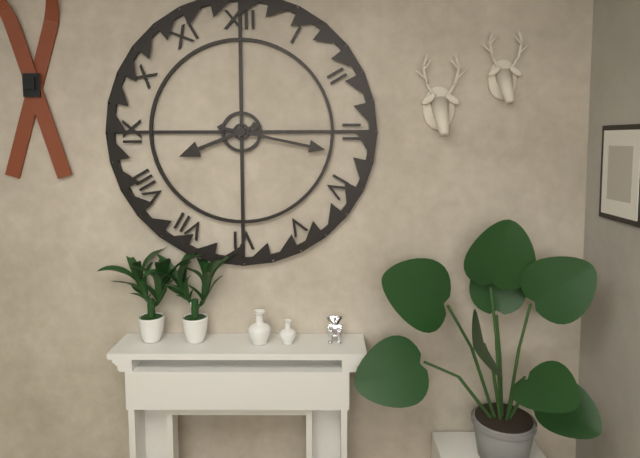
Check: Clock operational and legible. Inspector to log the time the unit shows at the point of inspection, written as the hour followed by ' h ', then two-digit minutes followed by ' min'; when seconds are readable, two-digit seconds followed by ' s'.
8 h 17 min
